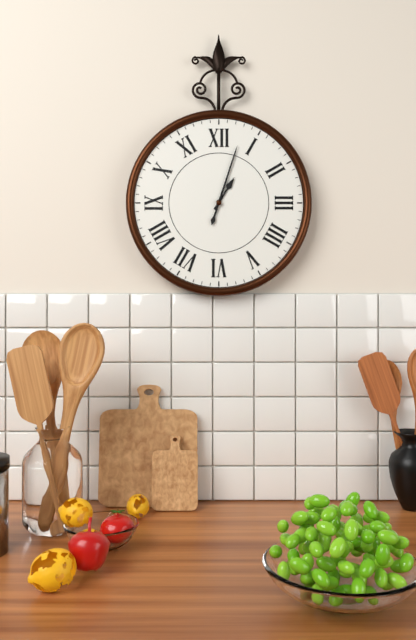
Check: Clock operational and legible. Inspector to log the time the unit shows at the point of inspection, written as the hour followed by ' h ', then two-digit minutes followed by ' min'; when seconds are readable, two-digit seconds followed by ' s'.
1 h 03 min
